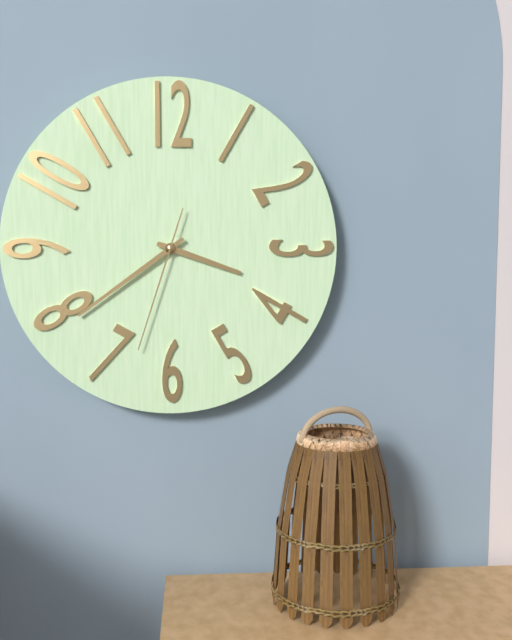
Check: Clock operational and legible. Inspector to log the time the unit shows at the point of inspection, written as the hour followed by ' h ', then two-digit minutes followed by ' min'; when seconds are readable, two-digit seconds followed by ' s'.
3 h 39 min 33 s
